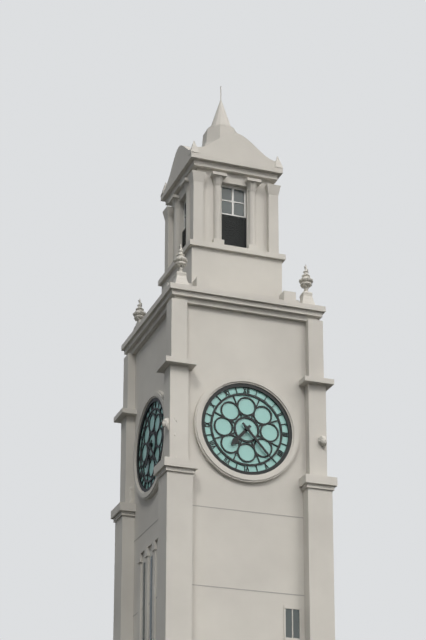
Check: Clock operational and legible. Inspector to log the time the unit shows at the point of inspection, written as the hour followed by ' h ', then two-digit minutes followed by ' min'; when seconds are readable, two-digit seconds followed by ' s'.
7 h 23 min
